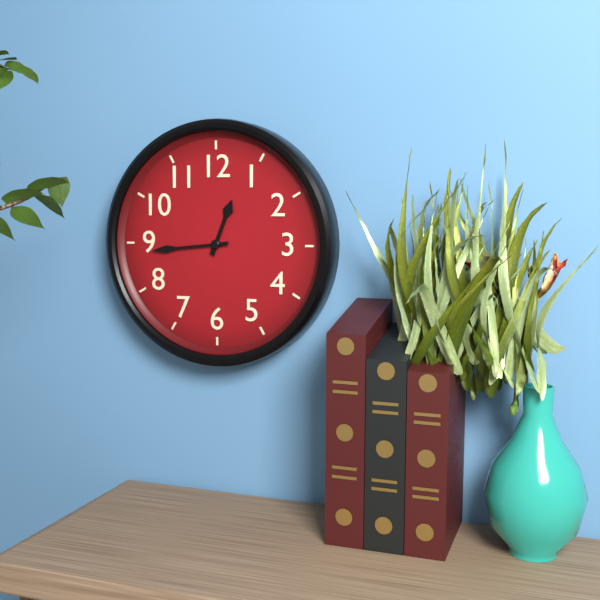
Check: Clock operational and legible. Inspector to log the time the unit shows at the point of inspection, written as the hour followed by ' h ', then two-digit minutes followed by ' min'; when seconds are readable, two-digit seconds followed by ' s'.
12 h 44 min
